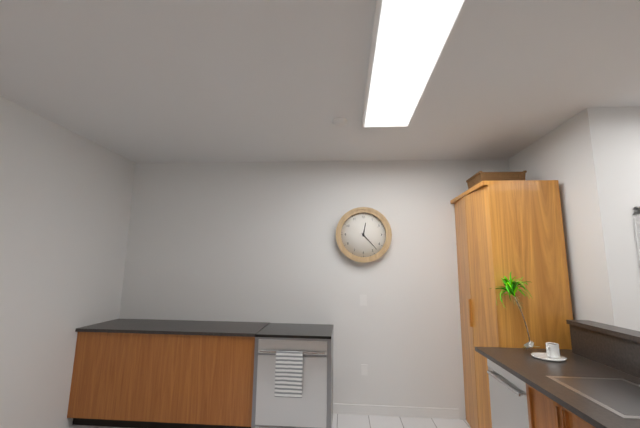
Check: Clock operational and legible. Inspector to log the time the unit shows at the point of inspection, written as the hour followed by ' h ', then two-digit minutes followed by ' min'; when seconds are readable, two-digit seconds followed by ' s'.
12 h 23 min
